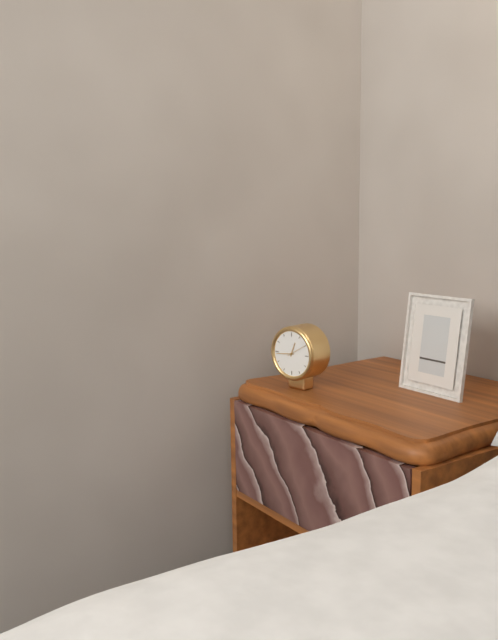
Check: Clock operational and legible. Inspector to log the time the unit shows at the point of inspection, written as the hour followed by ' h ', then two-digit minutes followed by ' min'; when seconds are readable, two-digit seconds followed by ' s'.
12 h 44 min
